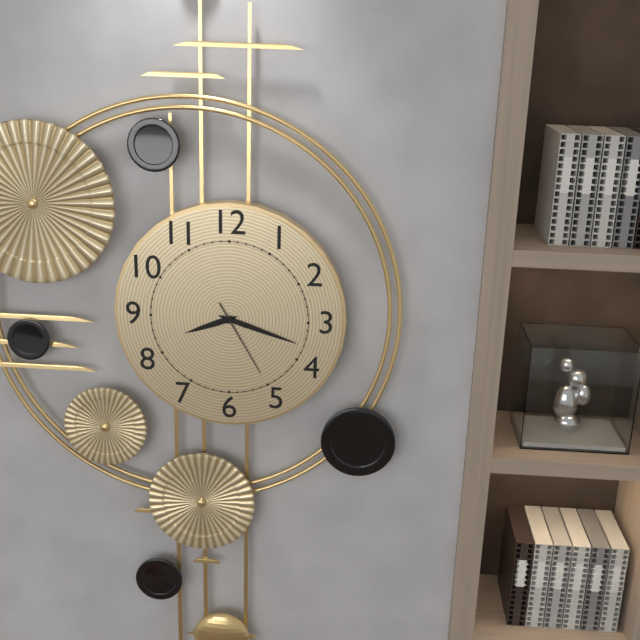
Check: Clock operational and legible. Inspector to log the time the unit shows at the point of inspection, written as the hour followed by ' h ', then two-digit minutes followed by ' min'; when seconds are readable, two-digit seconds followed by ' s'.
8 h 18 min 25 s
